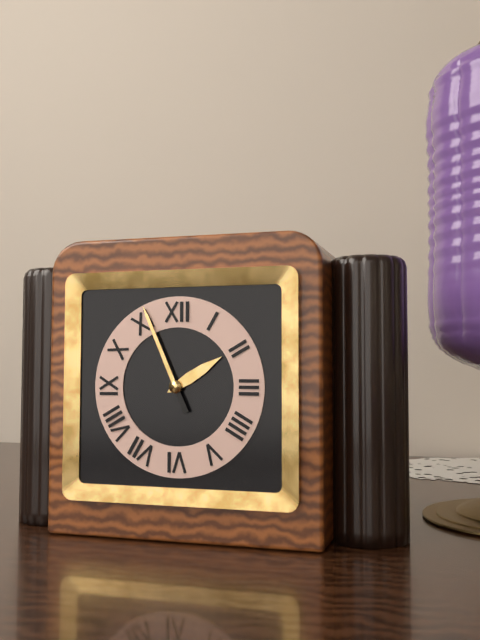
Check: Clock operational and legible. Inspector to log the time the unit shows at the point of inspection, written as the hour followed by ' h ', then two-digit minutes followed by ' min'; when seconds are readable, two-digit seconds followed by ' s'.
1 h 56 min
